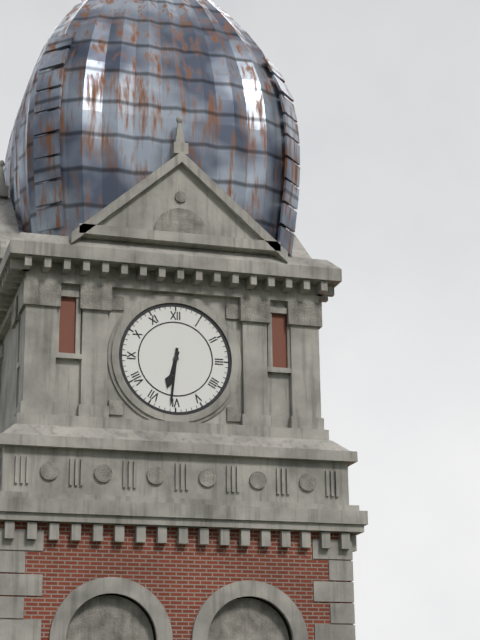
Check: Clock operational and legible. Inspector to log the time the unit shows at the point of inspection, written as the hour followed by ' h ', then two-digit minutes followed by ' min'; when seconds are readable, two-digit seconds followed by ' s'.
6 h 31 min
